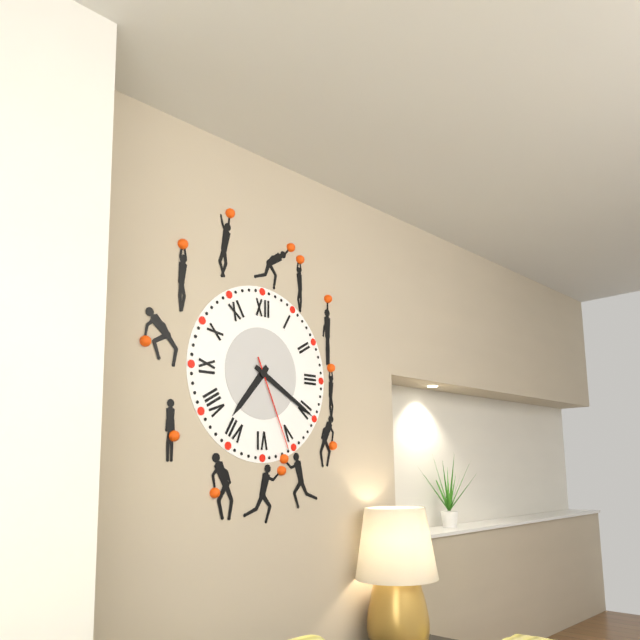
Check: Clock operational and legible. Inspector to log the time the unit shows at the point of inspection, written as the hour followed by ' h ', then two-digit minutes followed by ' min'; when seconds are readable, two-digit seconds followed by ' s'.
7 h 20 min 26 s
